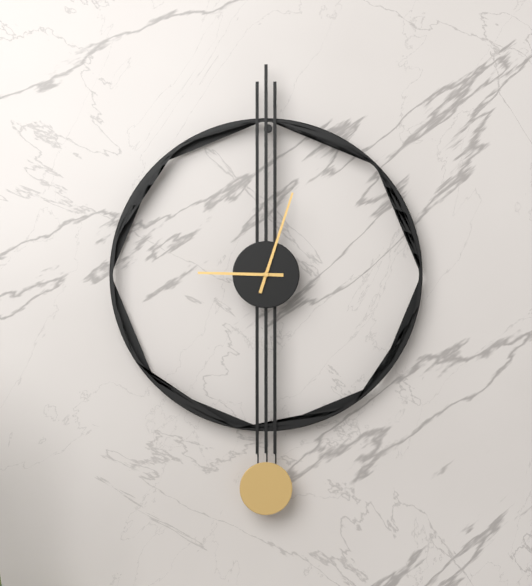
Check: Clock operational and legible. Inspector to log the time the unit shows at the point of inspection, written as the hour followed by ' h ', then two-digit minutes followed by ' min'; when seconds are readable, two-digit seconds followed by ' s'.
9 h 03 min
